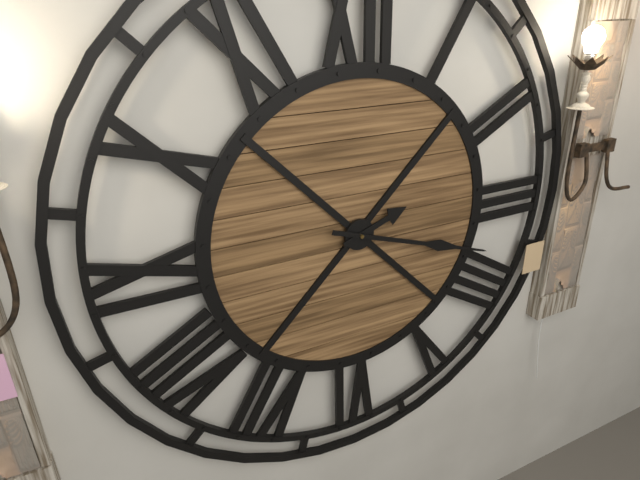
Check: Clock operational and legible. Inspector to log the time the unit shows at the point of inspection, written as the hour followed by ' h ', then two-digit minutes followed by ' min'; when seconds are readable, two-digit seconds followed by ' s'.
2 h 18 min
